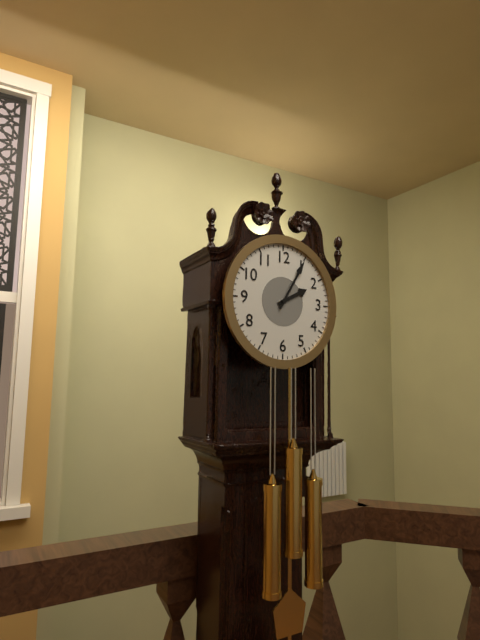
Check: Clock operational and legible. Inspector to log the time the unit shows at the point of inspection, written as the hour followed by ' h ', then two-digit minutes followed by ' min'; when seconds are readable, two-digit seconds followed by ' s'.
2 h 05 min
